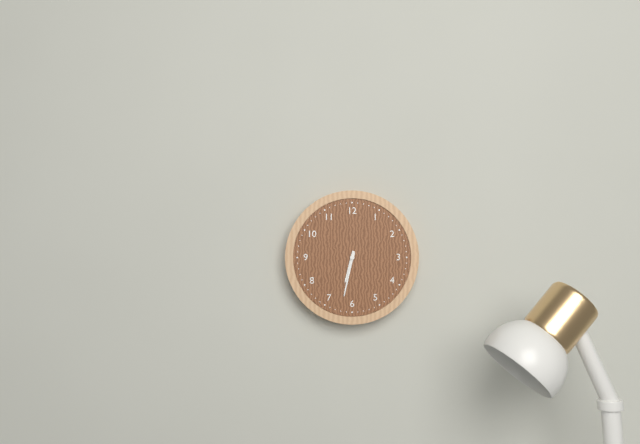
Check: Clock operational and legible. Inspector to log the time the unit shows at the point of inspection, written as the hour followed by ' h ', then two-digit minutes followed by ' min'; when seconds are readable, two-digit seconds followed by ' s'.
6 h 32 min
